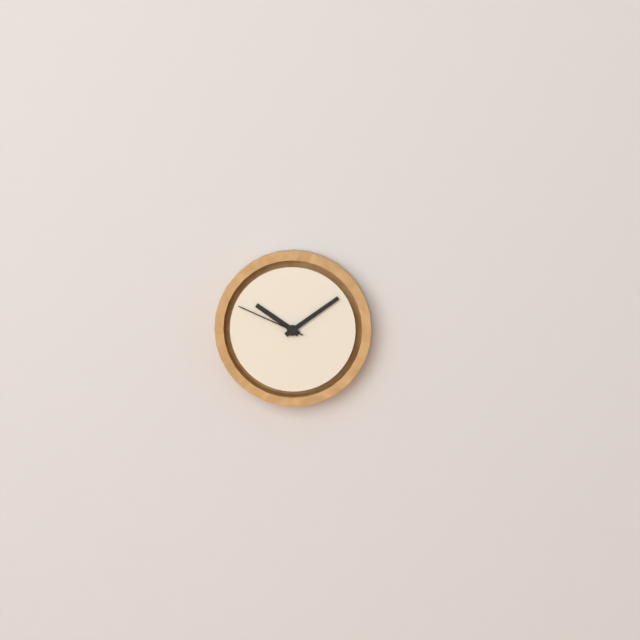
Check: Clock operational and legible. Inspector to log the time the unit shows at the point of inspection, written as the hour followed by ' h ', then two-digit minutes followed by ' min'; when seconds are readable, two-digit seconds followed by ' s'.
10 h 09 min 49 s
